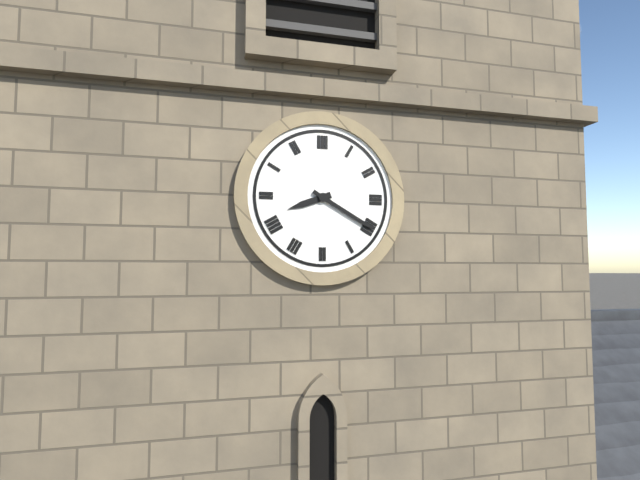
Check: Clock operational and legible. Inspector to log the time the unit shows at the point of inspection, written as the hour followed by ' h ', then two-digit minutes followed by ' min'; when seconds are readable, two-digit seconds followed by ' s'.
8 h 20 min
